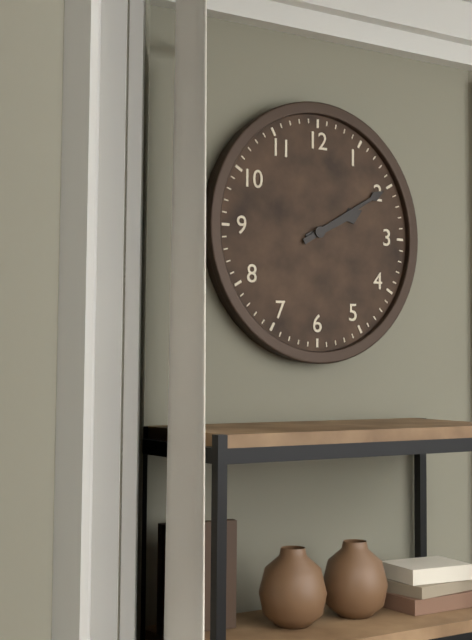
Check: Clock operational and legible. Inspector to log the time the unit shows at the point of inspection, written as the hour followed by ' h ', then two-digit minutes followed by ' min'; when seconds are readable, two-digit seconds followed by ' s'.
2 h 10 min
